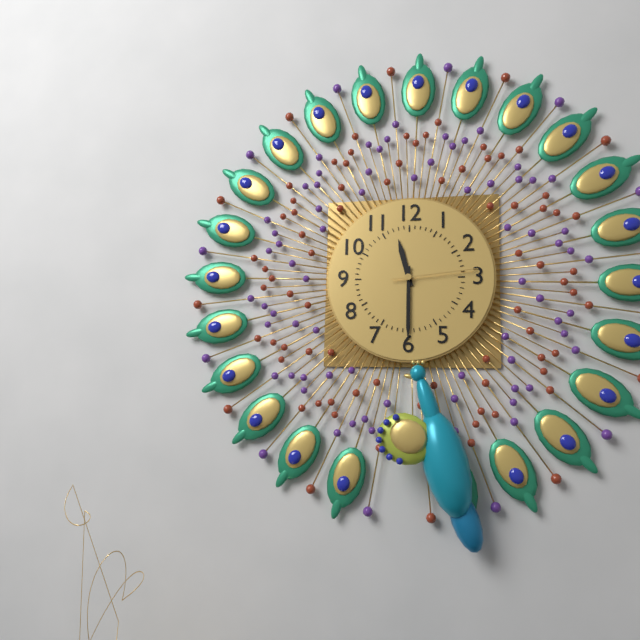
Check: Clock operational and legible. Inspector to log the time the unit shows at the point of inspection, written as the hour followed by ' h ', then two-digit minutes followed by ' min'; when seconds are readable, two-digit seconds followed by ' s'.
11 h 30 min 14 s
